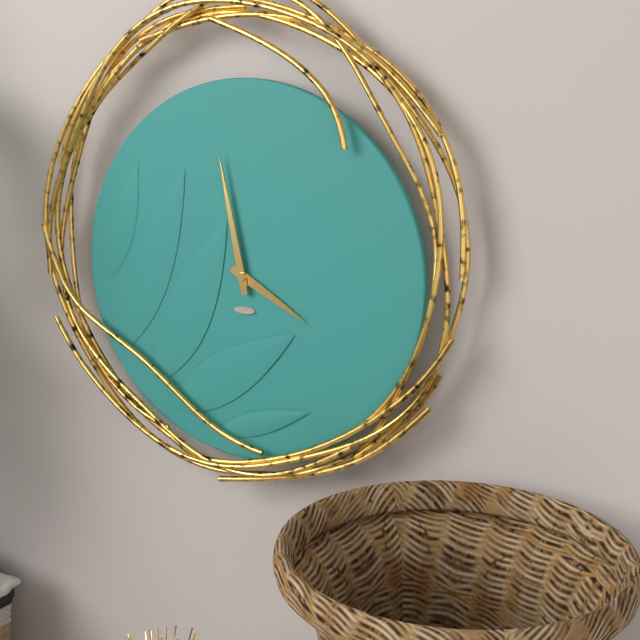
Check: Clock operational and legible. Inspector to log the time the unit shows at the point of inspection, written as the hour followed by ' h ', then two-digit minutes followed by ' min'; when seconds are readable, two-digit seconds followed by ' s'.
3 h 58 min
